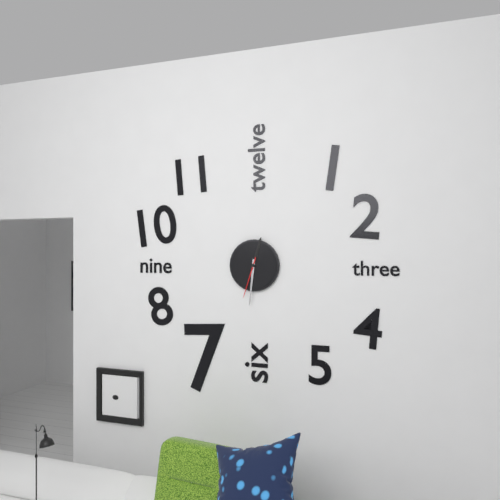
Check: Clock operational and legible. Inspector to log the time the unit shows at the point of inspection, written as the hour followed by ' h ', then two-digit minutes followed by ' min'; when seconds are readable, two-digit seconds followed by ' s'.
12 h 31 min
